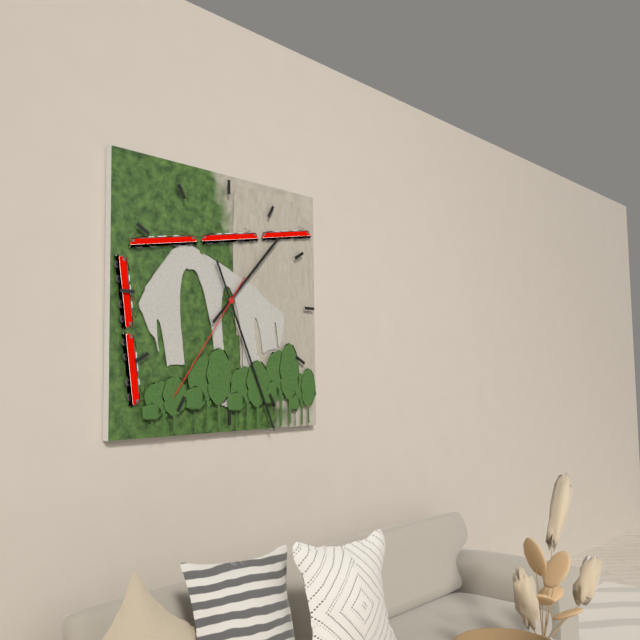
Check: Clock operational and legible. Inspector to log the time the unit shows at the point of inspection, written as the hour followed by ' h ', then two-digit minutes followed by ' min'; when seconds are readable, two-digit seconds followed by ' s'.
1 h 26 min 36 s
